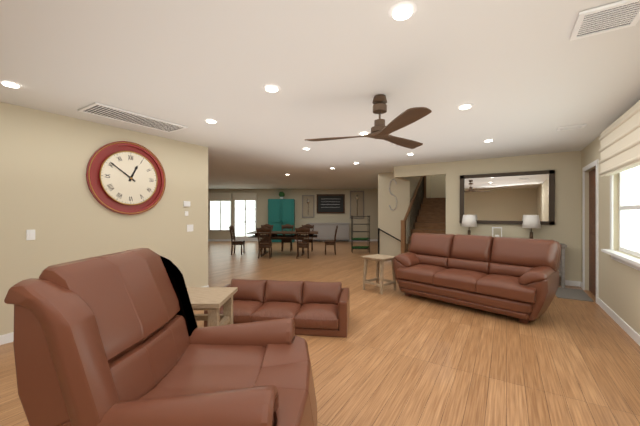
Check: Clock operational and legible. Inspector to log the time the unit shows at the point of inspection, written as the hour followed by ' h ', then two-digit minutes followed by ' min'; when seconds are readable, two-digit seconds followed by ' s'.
12 h 51 min
